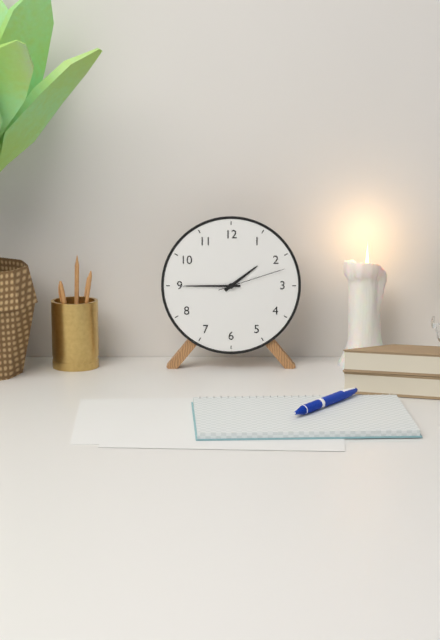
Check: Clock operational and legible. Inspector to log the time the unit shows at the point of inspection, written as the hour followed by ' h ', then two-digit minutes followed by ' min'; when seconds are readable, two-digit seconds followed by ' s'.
1 h 45 min 12 s
